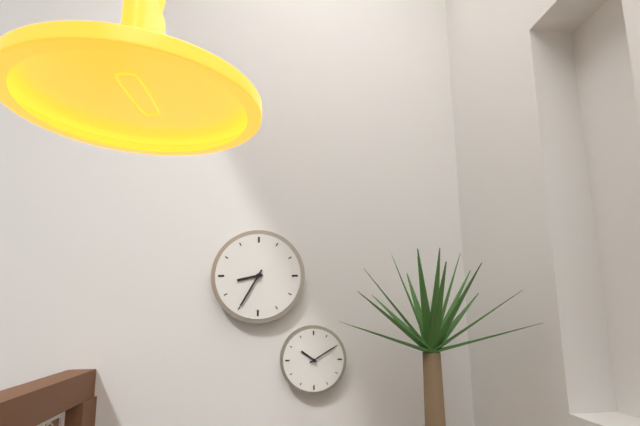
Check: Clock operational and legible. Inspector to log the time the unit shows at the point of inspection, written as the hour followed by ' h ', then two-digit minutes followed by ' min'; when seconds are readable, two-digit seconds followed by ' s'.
8 h 35 min
